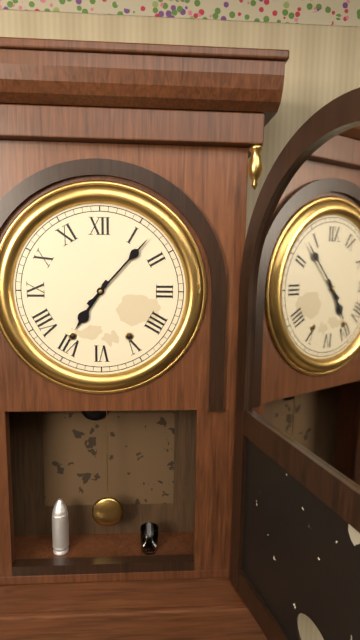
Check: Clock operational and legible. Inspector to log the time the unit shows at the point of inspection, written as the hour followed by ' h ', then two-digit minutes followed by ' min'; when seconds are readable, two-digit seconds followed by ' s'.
7 h 07 min
